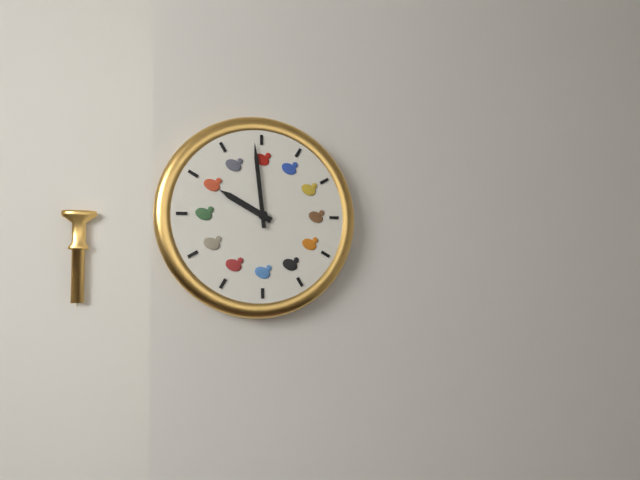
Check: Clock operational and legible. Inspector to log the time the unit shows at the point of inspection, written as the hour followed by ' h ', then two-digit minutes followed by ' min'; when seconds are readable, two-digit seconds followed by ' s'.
9 h 59 min
